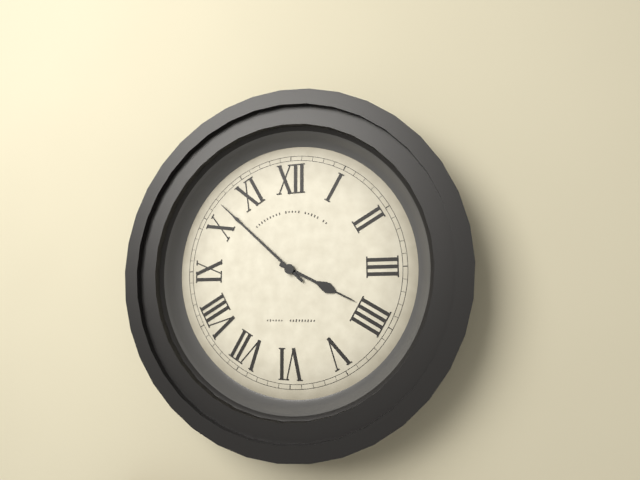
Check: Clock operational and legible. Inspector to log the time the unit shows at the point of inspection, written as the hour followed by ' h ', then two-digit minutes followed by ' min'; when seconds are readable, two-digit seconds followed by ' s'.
3 h 52 min
